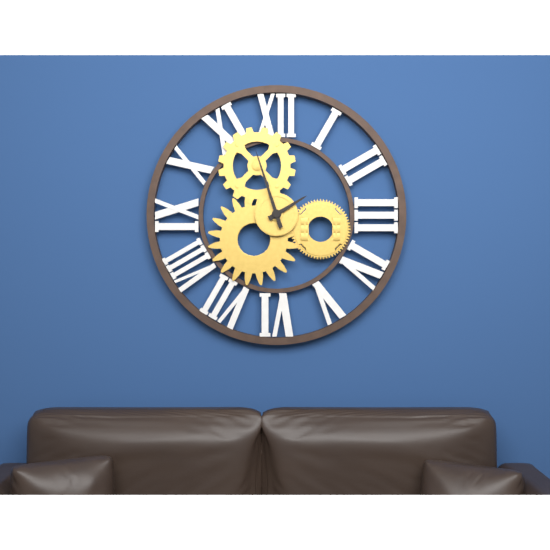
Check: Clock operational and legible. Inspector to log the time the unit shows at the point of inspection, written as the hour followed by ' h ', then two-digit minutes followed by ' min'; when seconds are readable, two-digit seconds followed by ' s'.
1 h 57 min
